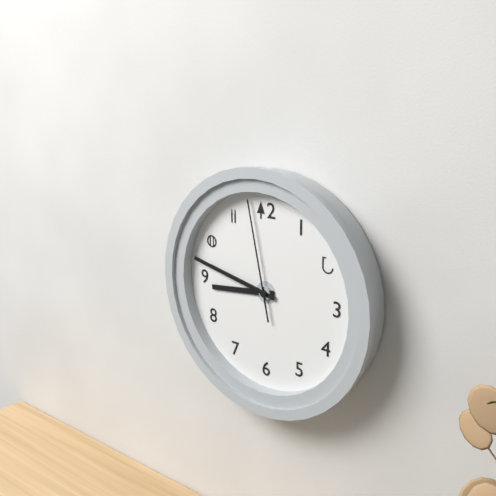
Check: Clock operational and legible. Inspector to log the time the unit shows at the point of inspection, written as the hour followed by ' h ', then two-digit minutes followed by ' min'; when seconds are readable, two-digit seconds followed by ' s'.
8 h 47 min 58 s
